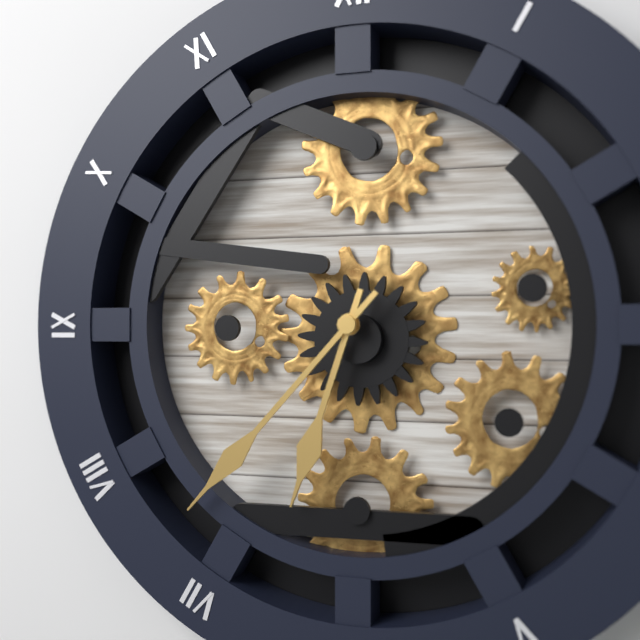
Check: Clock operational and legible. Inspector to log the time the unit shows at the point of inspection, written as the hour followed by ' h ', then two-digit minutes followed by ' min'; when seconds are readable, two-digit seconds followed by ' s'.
6 h 37 min
